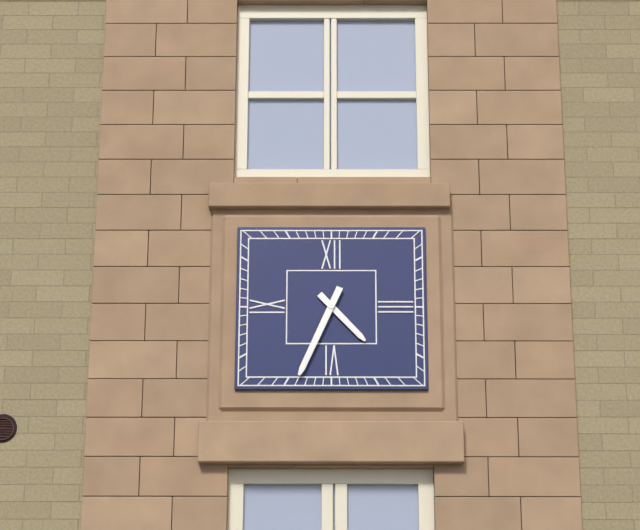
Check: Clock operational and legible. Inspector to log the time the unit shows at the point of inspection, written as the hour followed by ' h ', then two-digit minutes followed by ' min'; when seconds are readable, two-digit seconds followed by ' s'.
4 h 34 min
